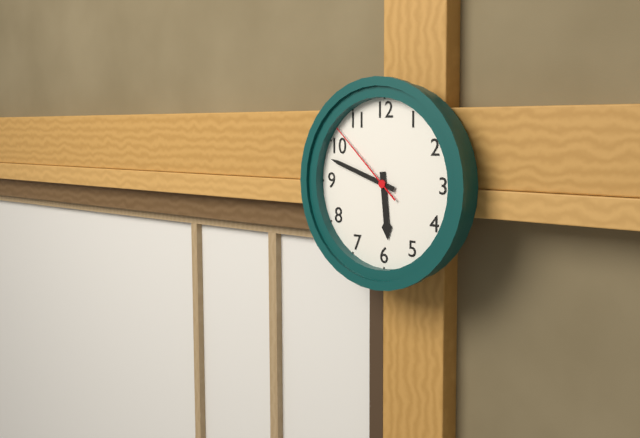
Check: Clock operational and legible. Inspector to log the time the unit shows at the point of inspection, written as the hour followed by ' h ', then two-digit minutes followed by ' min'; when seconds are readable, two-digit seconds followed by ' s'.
5 h 48 min 52 s
